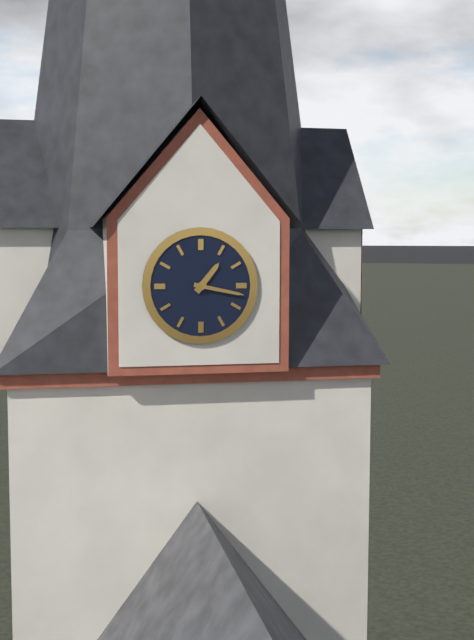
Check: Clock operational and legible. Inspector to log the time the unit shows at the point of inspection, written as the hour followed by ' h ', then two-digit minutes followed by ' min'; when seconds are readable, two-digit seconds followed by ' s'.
1 h 17 min
